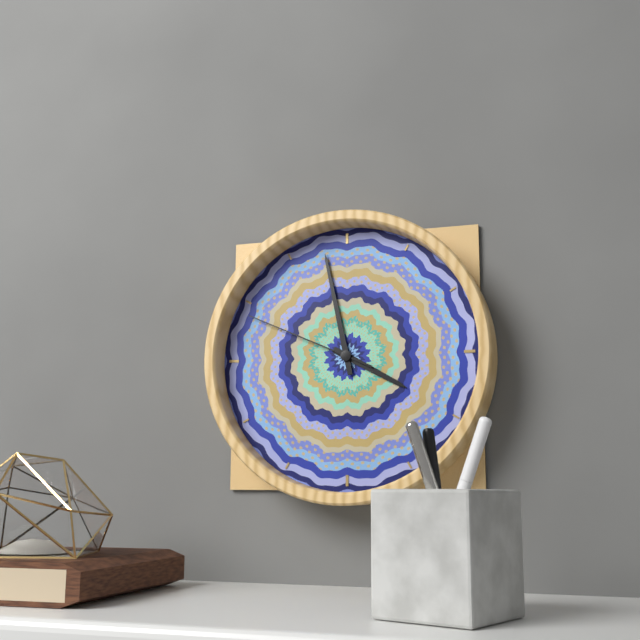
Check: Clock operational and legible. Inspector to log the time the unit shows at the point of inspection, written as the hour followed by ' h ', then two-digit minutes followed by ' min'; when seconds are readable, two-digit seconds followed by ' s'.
3 h 58 min 49 s
